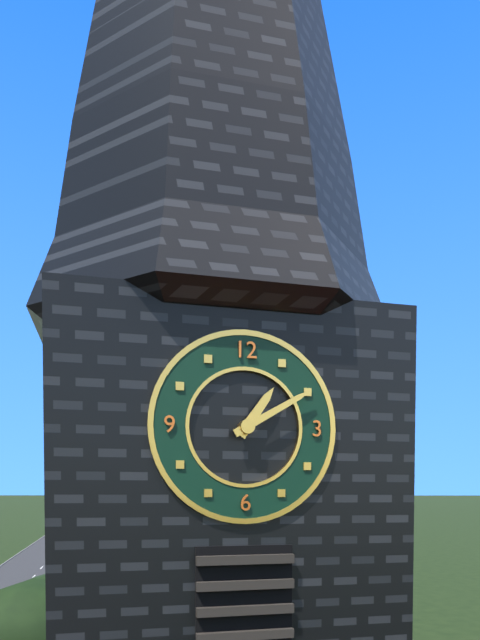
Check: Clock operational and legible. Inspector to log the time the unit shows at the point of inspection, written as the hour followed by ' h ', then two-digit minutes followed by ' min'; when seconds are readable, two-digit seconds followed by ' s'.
1 h 10 min
